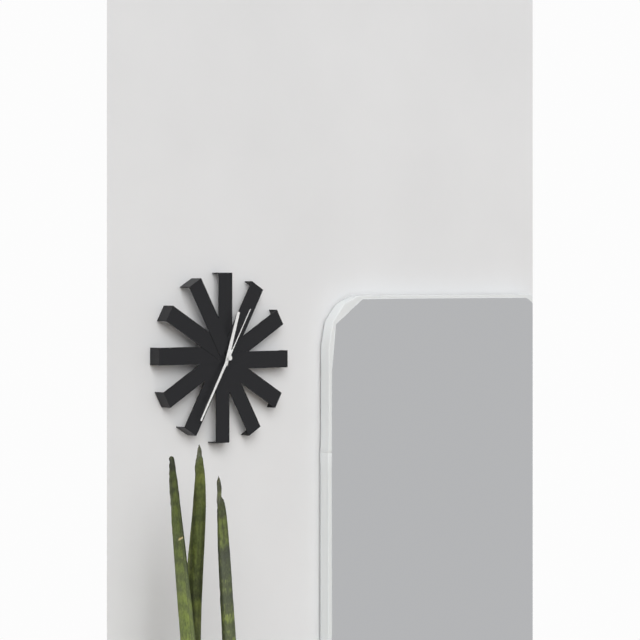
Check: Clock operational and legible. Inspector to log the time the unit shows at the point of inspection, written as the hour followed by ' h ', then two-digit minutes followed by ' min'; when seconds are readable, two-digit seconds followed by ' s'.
12 h 35 min 05 s
